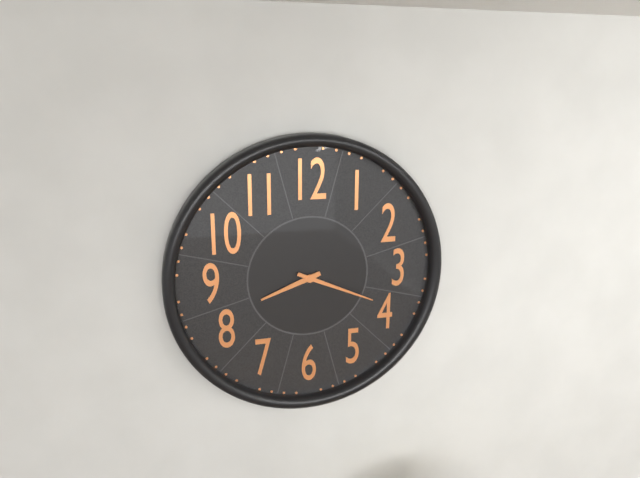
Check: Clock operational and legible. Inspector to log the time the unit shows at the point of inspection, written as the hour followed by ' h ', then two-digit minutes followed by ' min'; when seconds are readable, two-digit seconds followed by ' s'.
8 h 19 min
